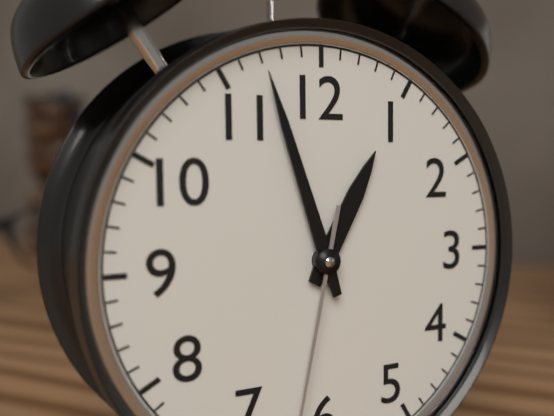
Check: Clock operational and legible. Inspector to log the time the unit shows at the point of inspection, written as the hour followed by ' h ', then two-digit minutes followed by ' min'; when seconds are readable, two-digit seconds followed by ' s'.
12 h 57 min
